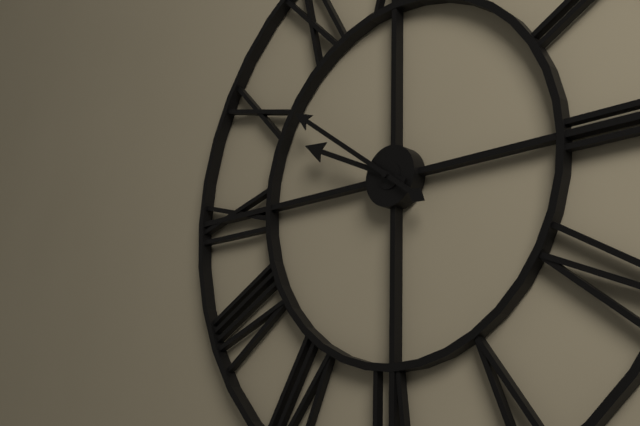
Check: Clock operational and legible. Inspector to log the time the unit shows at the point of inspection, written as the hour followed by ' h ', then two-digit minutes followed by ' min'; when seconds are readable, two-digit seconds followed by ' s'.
9 h 51 min
